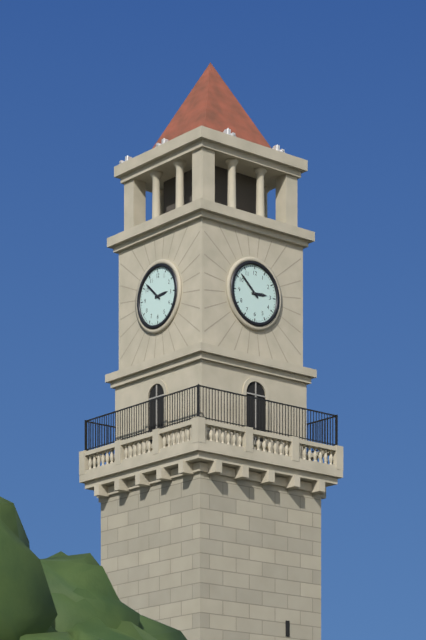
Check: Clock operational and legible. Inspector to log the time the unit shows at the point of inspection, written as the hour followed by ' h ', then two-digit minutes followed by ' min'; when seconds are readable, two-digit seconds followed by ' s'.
2 h 52 min
